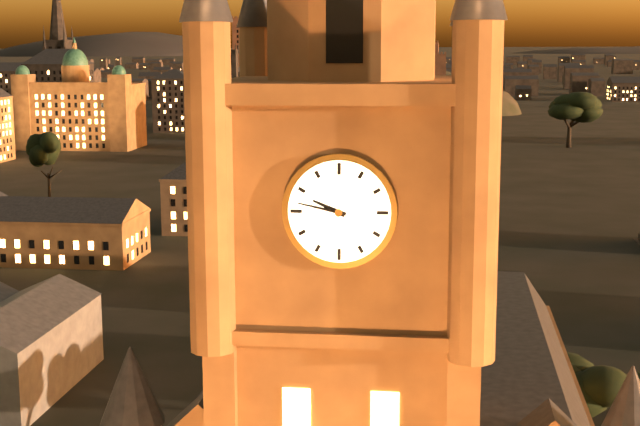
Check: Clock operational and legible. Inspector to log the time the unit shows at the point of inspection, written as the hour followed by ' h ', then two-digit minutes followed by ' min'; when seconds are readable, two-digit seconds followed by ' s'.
9 h 47 min
